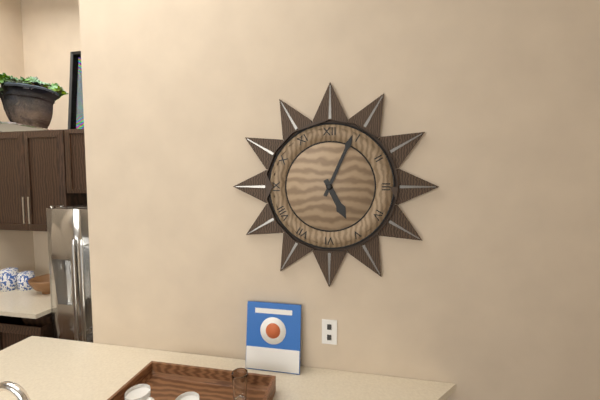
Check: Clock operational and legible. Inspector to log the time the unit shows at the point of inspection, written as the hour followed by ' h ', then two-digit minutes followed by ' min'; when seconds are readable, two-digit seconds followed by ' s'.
5 h 04 min
